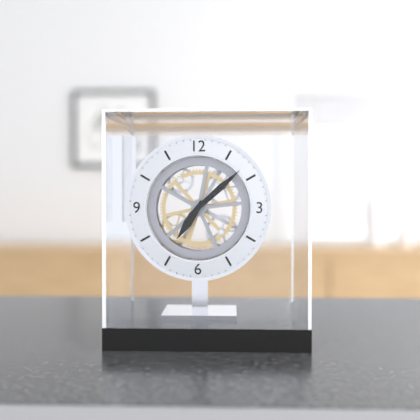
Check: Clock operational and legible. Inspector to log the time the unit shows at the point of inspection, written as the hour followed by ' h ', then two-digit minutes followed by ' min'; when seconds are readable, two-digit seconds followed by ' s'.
7 h 08 min
